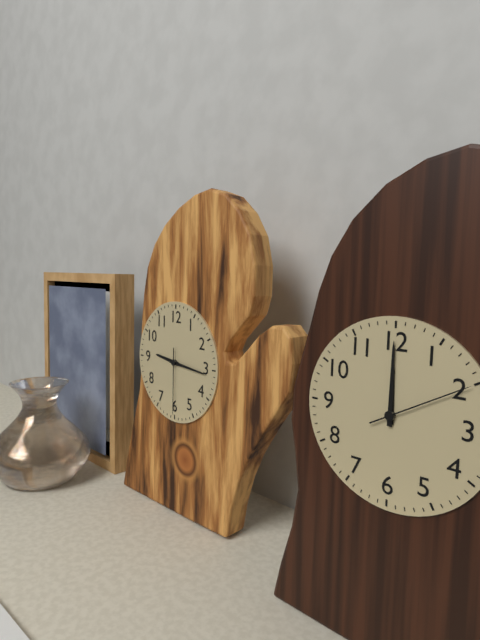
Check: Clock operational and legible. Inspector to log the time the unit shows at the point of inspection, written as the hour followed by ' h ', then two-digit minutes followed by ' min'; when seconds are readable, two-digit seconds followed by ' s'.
9 h 16 min 30 s
